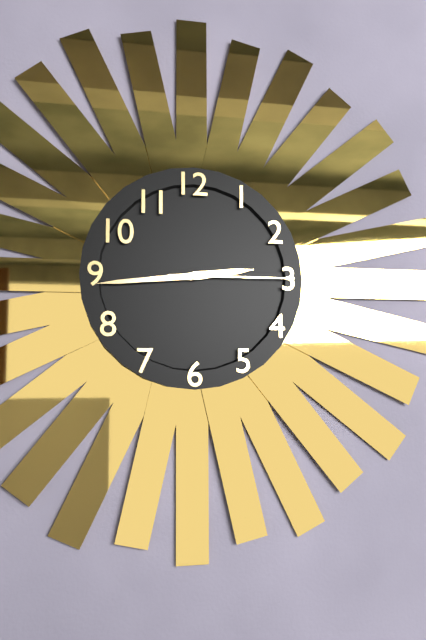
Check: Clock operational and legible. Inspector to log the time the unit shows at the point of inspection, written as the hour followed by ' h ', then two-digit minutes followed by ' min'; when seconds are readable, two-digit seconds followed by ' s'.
2 h 44 min 15 s
